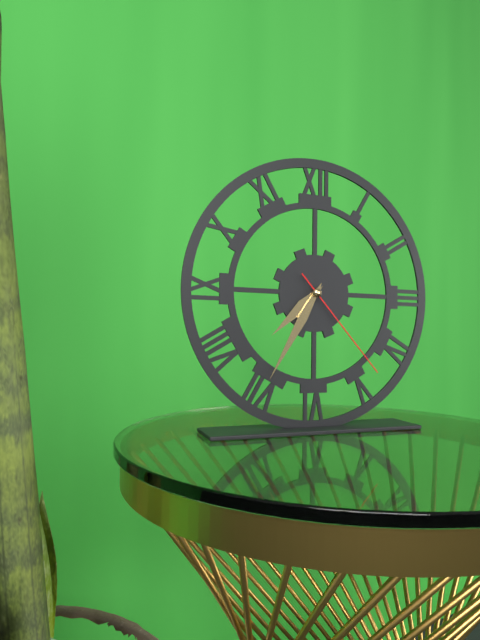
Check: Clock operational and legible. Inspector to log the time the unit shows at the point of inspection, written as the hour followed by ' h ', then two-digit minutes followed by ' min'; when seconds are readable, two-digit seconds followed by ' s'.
7 h 35 min 23 s
